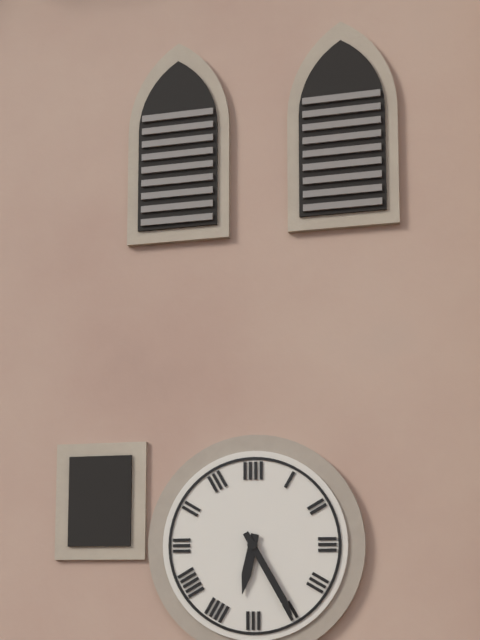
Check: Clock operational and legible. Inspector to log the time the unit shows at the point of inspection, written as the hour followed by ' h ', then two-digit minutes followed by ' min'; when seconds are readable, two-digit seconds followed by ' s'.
6 h 25 min
